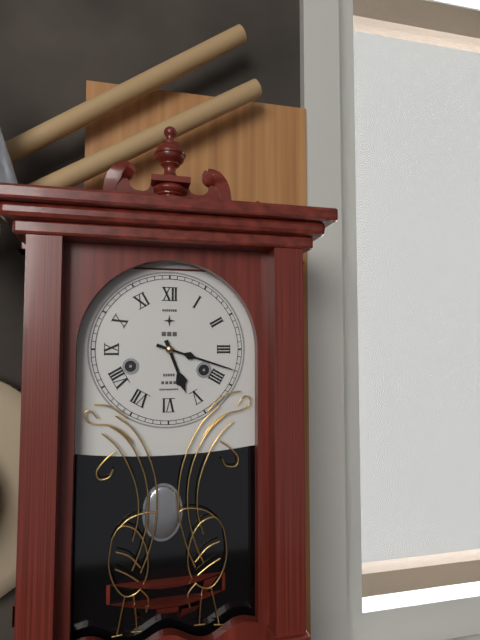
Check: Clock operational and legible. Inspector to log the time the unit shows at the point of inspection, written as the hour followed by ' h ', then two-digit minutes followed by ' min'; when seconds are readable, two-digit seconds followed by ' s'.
5 h 18 min
